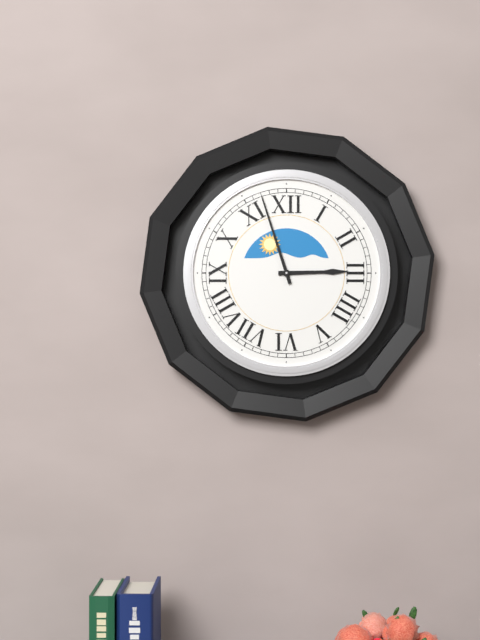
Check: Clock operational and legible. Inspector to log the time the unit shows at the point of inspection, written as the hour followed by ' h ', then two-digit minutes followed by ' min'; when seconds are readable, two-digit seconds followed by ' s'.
2 h 57 min
